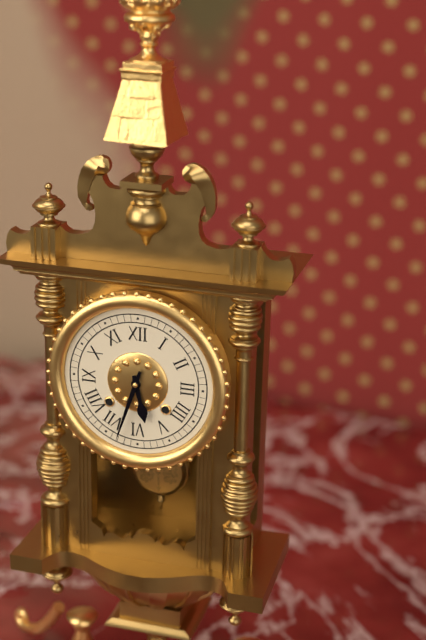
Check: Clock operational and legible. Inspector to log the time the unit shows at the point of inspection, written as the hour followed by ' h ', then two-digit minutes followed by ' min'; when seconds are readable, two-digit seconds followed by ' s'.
5 h 33 min
